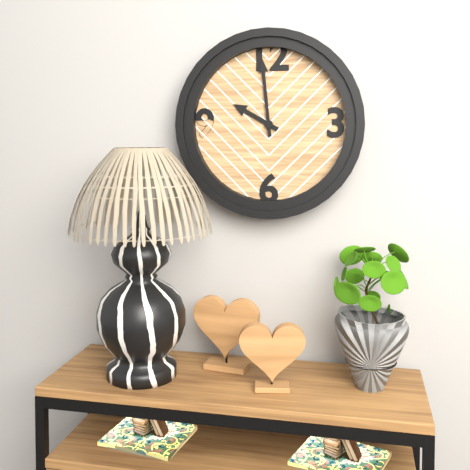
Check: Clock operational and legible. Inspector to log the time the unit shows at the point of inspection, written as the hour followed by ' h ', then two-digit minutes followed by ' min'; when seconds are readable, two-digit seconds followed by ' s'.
9 h 59 min
